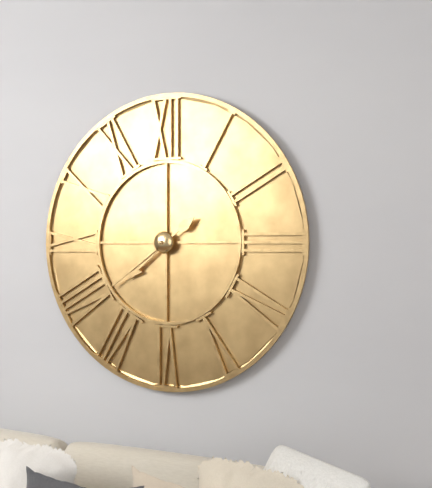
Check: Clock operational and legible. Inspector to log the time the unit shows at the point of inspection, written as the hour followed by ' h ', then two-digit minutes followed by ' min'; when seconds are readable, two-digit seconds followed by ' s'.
7 h 39 min
